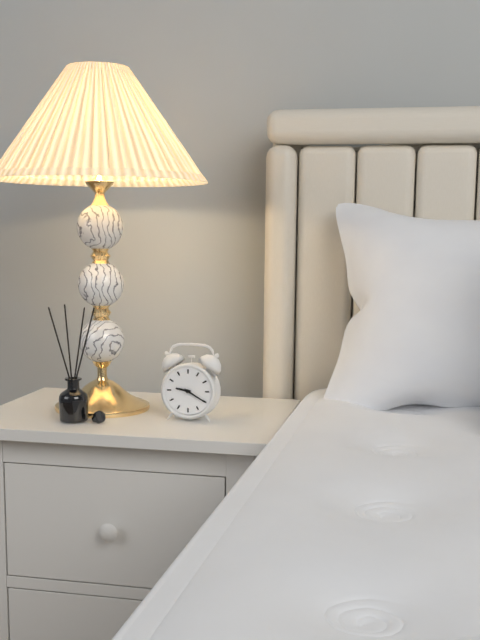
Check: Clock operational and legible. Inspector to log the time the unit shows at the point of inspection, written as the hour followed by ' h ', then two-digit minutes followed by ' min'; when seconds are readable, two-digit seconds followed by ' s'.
9 h 20 min
